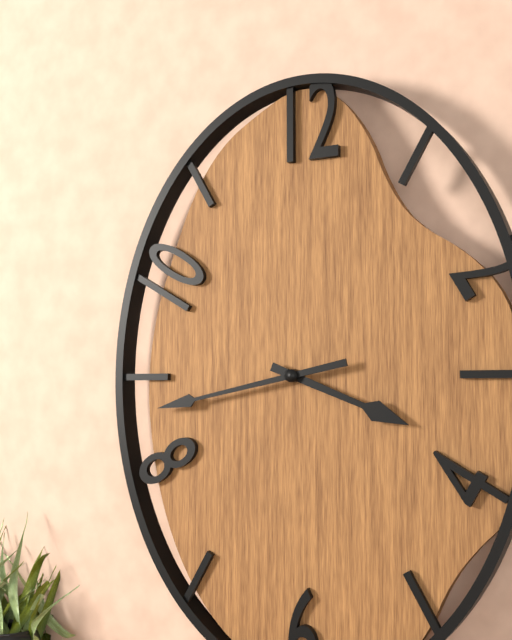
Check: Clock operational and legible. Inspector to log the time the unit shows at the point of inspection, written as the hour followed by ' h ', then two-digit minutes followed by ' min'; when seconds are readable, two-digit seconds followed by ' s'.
3 h 43 min
